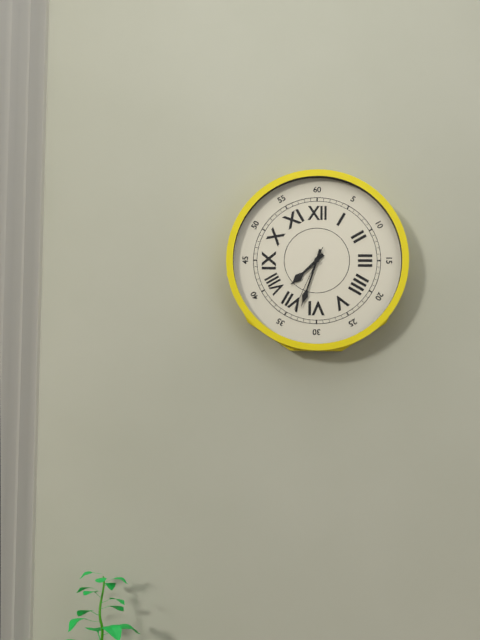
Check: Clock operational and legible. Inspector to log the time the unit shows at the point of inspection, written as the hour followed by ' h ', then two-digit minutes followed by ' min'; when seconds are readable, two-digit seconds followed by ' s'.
7 h 33 min 34 s
